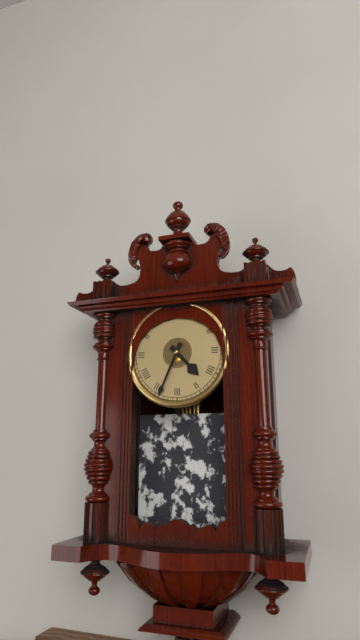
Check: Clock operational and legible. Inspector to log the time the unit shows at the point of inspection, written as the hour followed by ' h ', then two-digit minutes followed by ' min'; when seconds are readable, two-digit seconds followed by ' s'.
4 h 34 min
